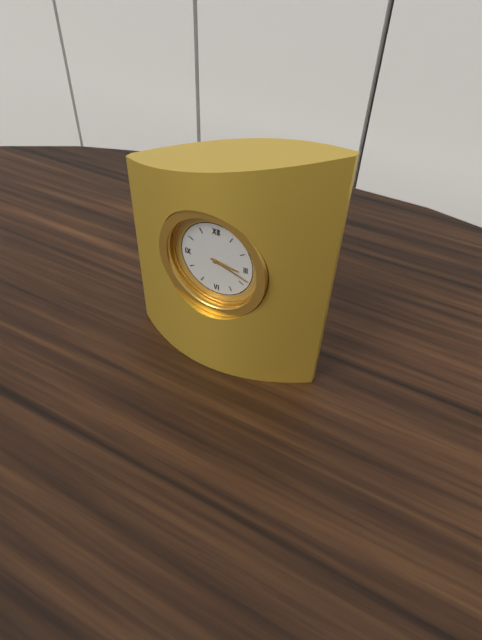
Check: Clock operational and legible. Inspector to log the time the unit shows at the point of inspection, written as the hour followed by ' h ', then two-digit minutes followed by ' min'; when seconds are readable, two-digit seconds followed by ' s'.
3 h 18 min
